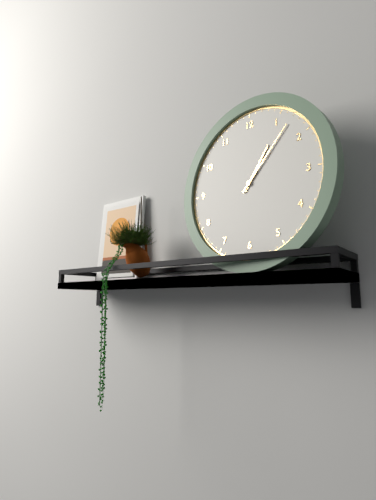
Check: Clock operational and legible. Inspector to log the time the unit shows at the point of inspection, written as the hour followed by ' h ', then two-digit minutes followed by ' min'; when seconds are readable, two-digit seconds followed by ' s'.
1 h 07 min
